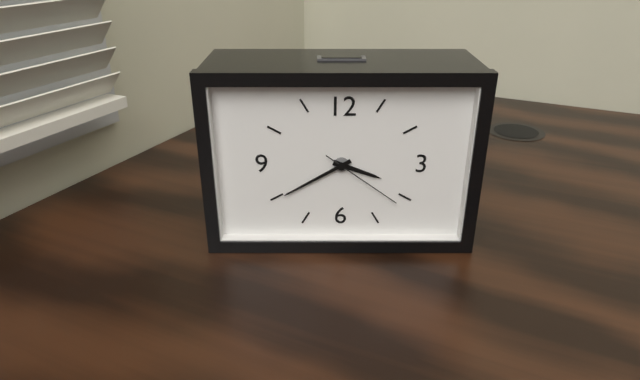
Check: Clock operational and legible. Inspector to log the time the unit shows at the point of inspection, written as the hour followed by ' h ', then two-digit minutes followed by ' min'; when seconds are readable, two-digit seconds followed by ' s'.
3 h 40 min 21 s
